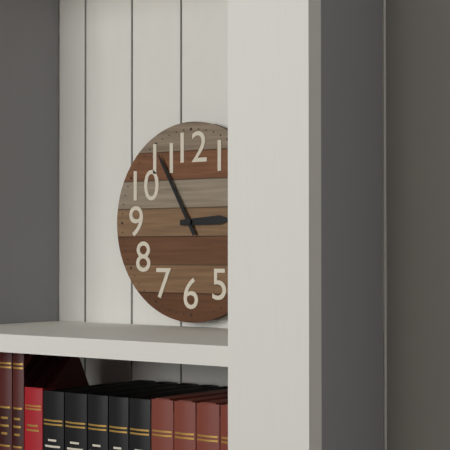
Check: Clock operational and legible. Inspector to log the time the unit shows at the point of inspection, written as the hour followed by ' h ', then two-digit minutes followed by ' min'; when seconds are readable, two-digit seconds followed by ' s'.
2 h 55 min
